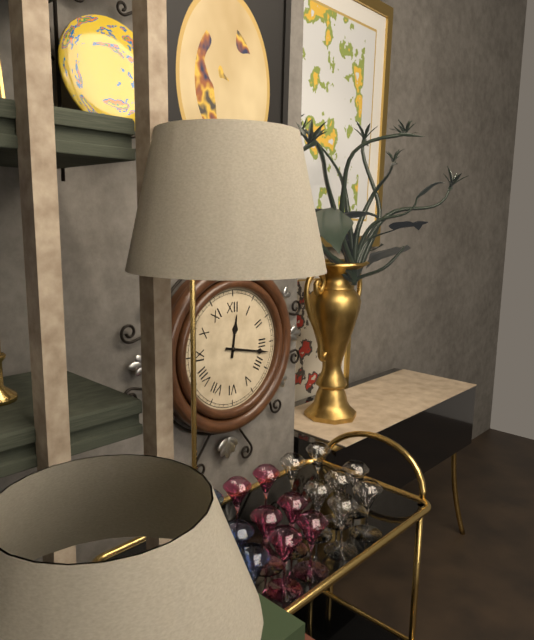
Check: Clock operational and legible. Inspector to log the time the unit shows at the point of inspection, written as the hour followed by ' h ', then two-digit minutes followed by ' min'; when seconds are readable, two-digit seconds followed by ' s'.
12 h 17 min
